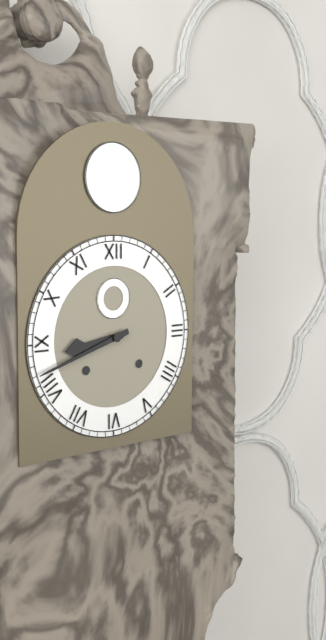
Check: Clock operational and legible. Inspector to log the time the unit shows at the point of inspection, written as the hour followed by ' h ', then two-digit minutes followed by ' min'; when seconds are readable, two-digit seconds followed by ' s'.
8 h 42 min
